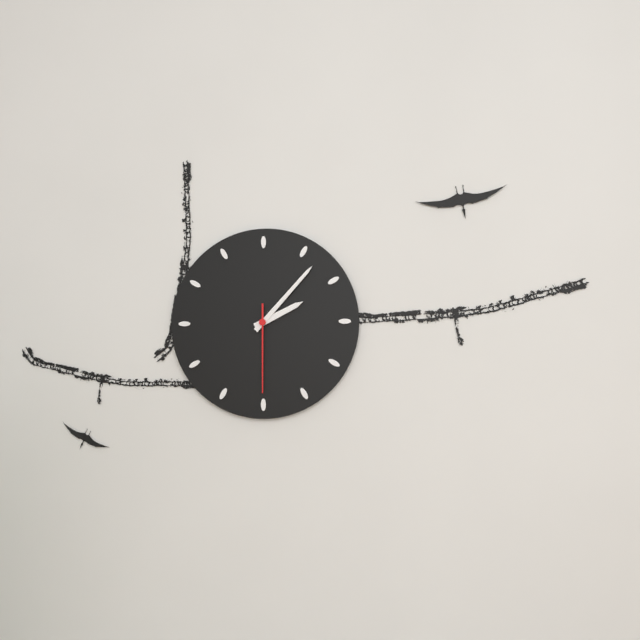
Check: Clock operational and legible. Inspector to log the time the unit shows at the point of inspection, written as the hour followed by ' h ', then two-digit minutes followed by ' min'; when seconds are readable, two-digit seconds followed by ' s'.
2 h 07 min 30 s
